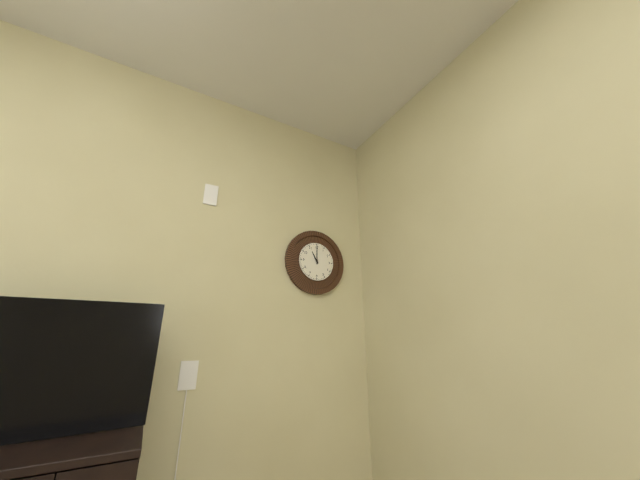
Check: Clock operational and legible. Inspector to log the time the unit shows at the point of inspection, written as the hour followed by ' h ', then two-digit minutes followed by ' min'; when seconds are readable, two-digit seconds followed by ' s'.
11 h 00 min
